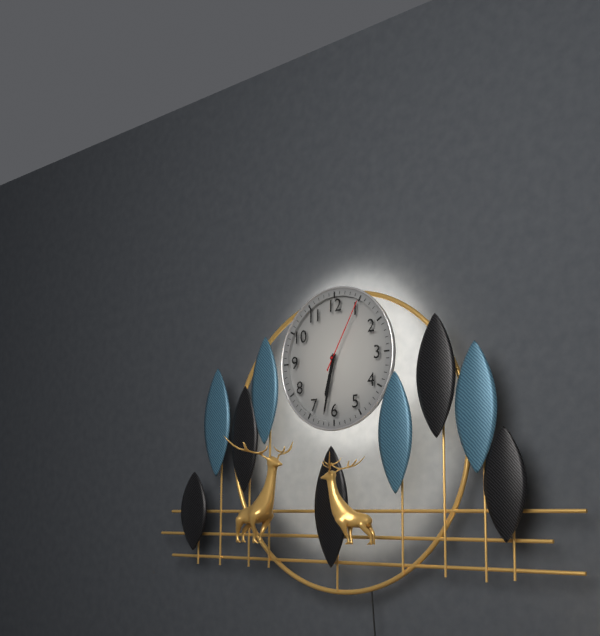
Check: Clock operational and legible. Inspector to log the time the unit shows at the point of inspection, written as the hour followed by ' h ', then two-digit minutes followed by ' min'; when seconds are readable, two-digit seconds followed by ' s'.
6 h 32 min 05 s
